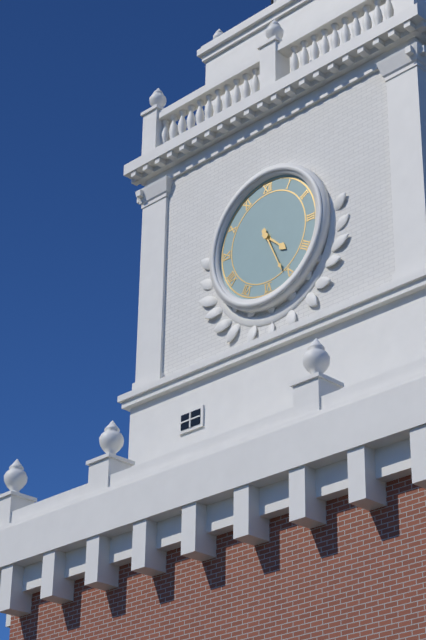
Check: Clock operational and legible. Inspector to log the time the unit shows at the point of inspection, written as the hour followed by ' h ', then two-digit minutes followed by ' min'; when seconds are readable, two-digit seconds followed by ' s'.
4 h 26 min
